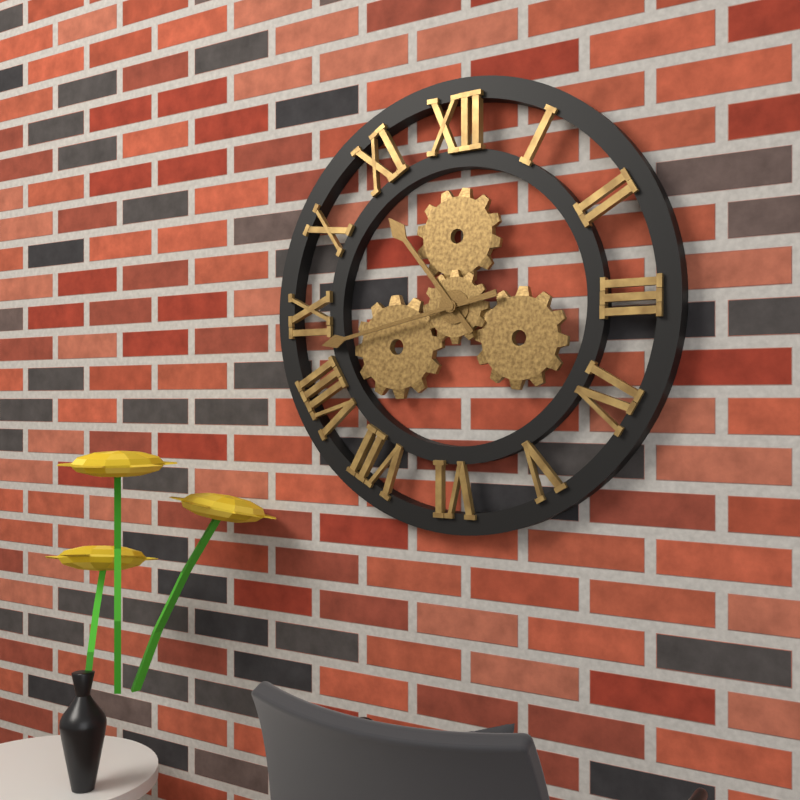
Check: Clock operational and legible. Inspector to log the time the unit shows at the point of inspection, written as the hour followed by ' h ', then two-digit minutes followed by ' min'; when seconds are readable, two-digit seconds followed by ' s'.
10 h 43 min
